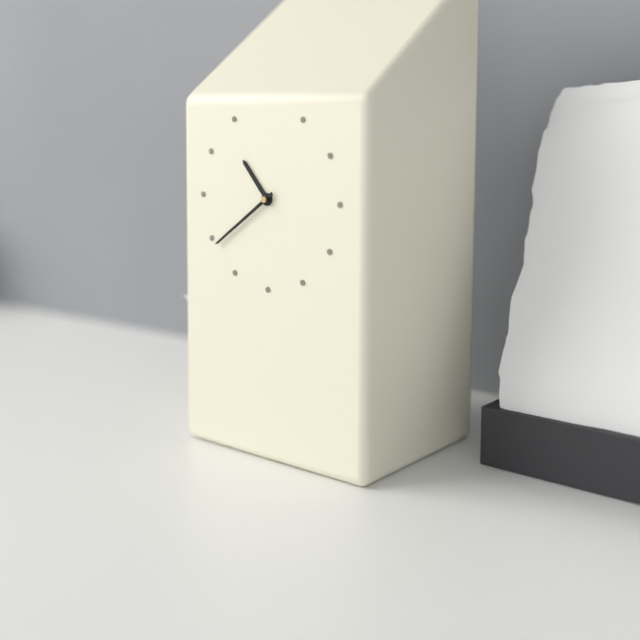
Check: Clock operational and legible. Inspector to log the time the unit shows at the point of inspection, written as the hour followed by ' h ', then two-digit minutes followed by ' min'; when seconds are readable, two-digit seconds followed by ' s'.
10 h 39 min
